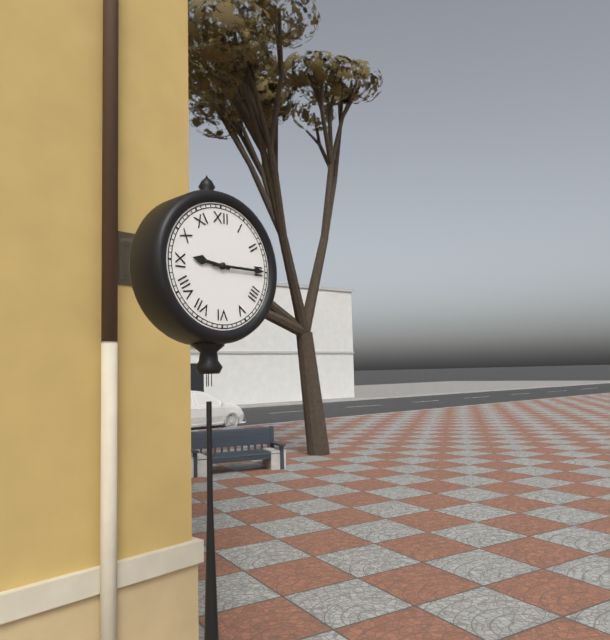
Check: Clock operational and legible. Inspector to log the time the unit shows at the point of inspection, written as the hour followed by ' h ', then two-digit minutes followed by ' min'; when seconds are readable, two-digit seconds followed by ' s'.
9 h 15 min
